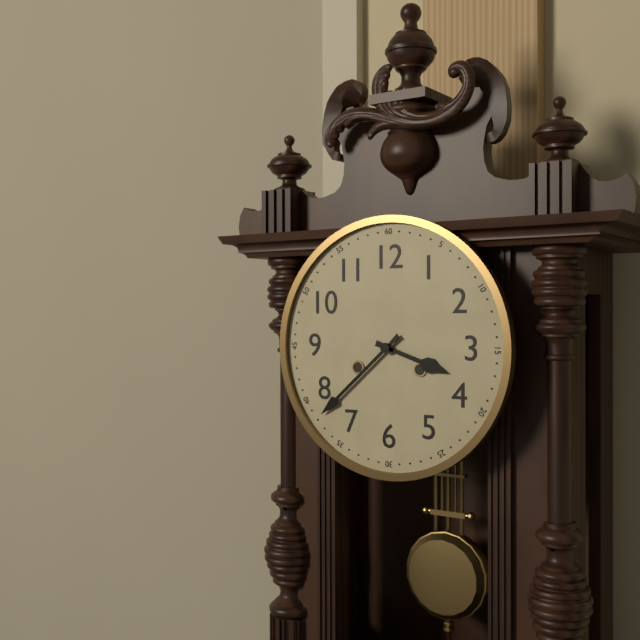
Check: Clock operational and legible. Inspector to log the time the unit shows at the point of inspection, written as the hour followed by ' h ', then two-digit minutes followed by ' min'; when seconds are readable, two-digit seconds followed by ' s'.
3 h 38 min
